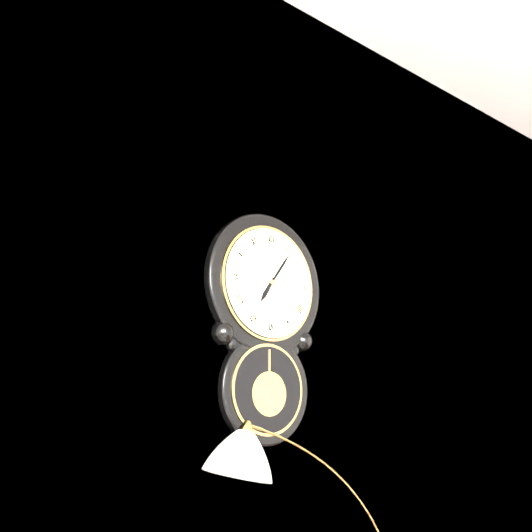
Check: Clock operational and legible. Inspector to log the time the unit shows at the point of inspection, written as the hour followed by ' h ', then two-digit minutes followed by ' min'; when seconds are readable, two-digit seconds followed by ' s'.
7 h 06 min
